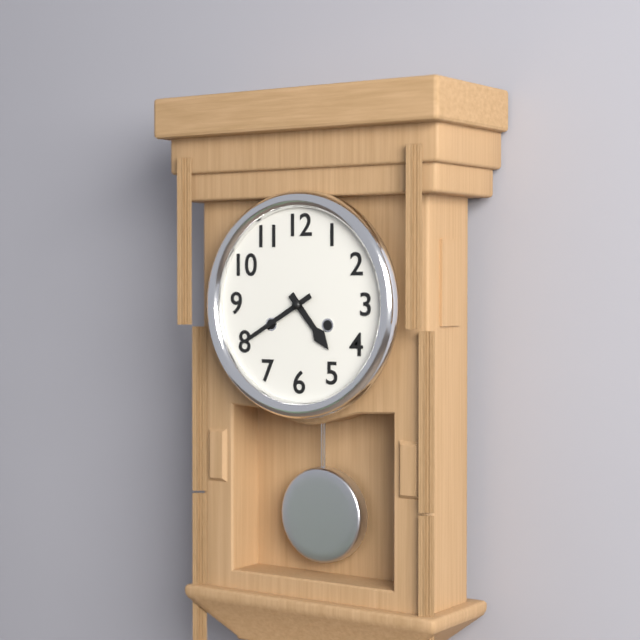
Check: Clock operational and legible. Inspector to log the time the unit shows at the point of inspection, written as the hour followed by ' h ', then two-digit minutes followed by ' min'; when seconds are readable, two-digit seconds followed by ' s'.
4 h 40 min
